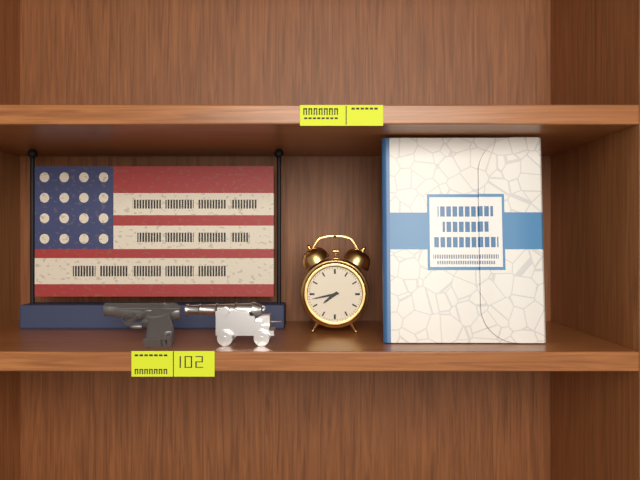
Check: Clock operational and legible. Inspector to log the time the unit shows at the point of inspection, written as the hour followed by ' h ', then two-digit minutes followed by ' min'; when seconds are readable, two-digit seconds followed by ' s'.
7 h 43 min
